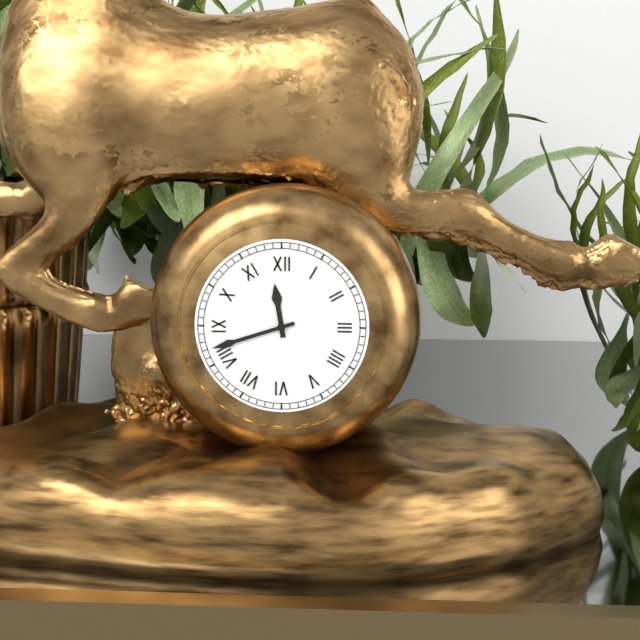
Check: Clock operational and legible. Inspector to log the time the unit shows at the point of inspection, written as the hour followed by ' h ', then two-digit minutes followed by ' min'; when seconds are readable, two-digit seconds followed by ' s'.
11 h 42 min
